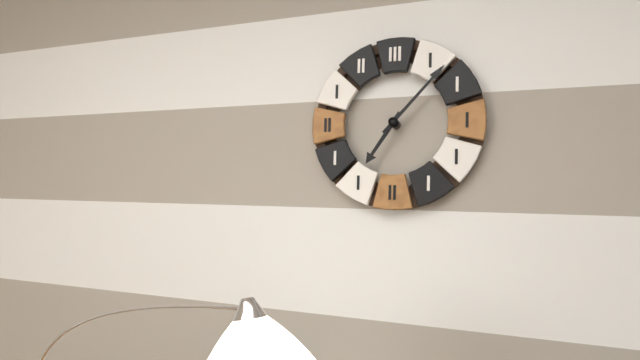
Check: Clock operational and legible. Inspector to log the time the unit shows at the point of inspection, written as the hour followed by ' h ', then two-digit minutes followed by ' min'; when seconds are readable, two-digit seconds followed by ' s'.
7 h 07 min
